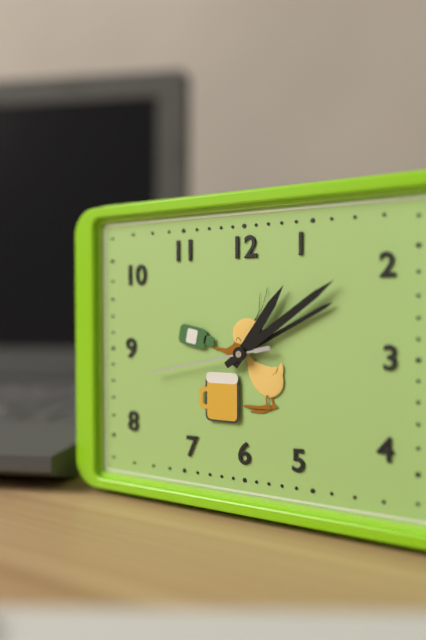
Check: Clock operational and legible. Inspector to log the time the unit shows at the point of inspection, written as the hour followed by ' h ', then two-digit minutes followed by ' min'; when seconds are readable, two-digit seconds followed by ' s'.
1 h 09 min 43 s
